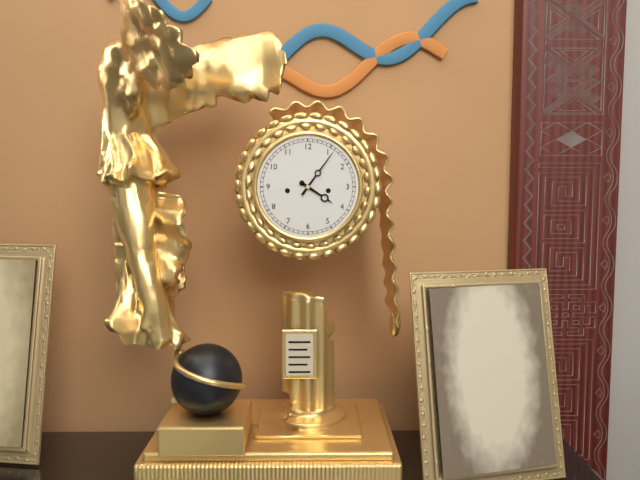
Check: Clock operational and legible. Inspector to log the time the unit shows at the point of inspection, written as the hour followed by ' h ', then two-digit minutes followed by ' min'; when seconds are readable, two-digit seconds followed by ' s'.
4 h 06 min
